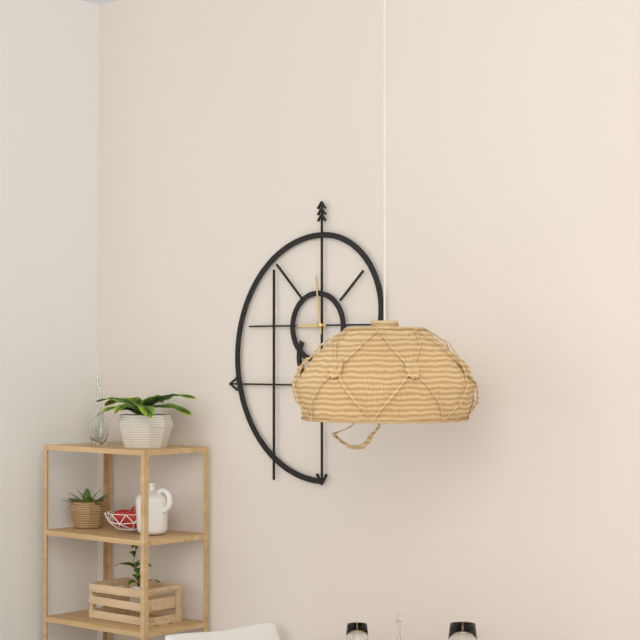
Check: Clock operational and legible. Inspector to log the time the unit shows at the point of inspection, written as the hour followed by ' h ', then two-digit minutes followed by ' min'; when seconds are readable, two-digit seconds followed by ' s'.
8 h 59 min
